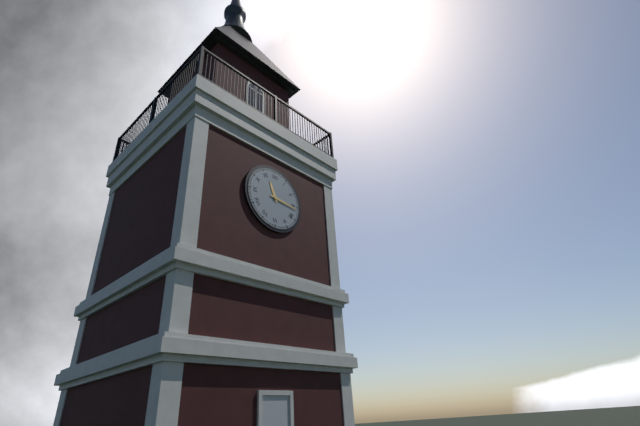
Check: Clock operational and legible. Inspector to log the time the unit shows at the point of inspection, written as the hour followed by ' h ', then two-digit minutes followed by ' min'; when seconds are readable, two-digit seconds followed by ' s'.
11 h 16 min
